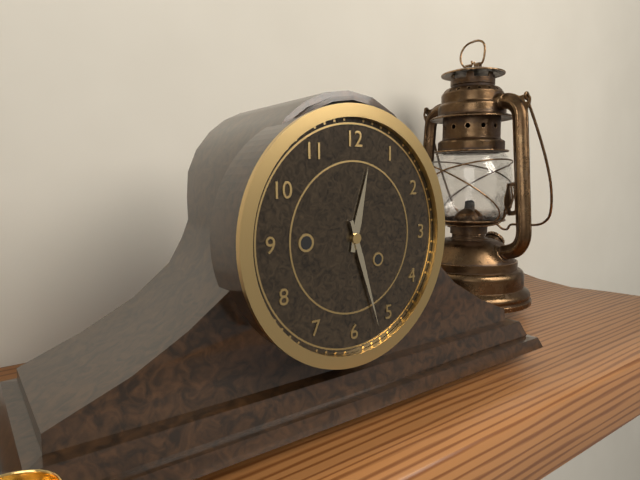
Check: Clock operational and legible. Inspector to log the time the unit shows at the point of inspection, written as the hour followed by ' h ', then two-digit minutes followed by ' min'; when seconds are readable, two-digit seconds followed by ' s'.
12 h 27 min
